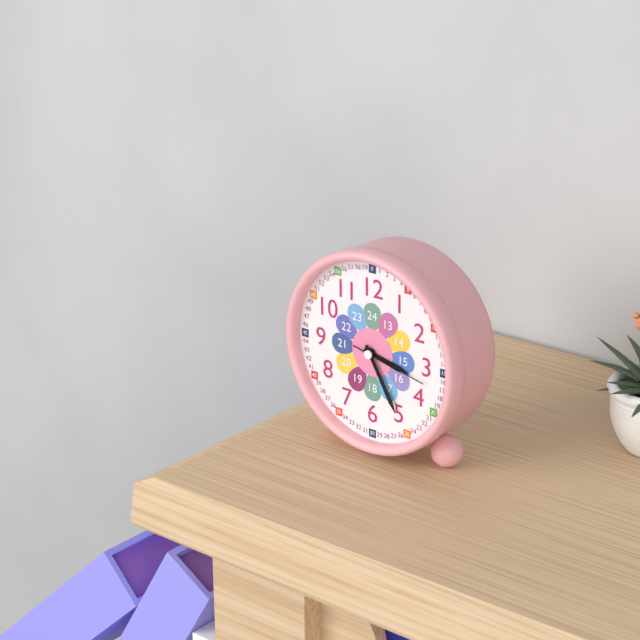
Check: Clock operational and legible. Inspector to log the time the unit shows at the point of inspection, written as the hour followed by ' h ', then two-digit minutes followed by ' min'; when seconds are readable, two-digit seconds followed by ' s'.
3 h 25 min 17 s
